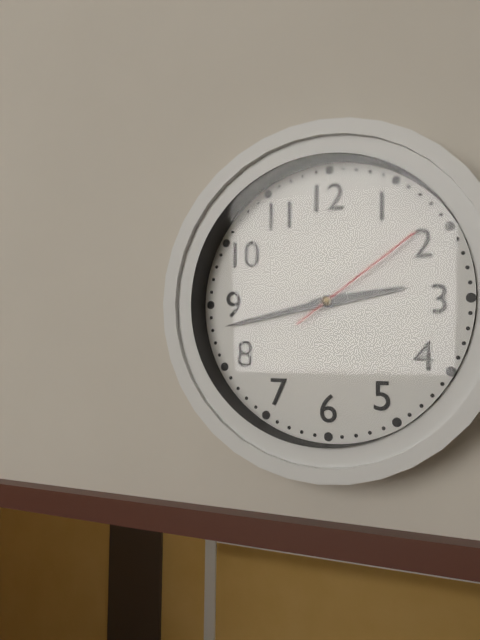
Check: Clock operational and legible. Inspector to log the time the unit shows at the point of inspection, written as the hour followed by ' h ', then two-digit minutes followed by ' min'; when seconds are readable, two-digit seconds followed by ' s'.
2 h 43 min 09 s
